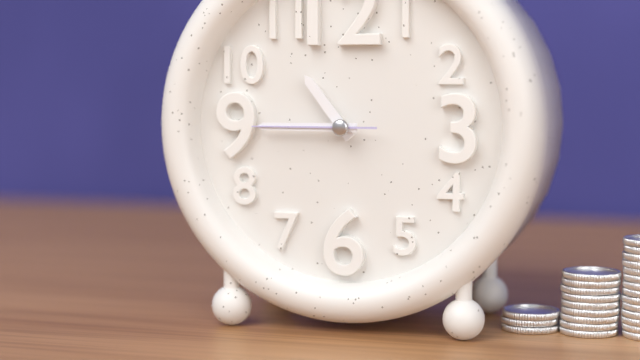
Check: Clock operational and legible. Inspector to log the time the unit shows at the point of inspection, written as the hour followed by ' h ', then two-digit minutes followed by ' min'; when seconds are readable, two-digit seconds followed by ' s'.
10 h 45 min 45 s
